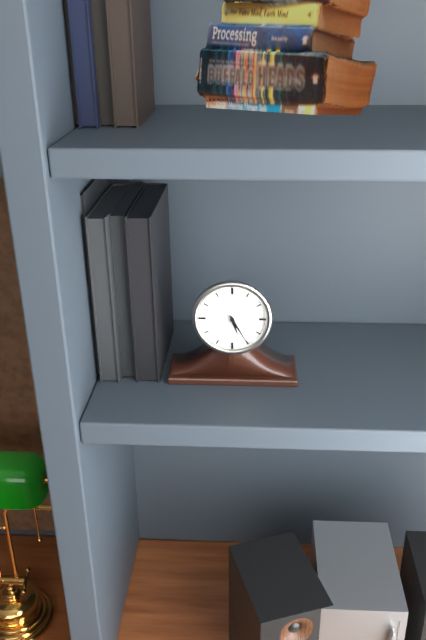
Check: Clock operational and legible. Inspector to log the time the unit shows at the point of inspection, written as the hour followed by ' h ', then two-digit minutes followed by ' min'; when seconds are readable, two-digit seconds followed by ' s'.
5 h 25 min
